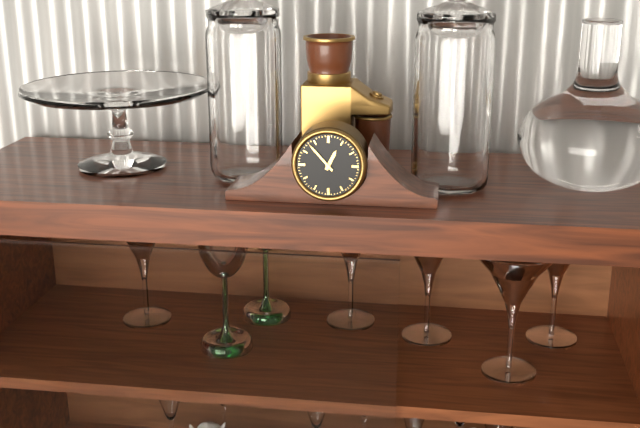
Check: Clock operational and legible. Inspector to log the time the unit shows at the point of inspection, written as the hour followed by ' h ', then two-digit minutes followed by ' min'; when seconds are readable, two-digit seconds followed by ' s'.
12 h 53 min
